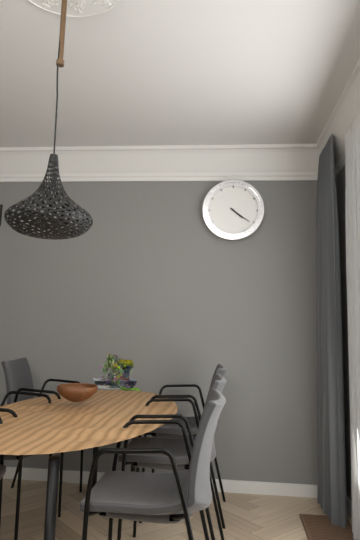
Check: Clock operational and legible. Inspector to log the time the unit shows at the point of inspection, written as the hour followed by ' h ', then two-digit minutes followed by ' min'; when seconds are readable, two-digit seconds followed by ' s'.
4 h 21 min
